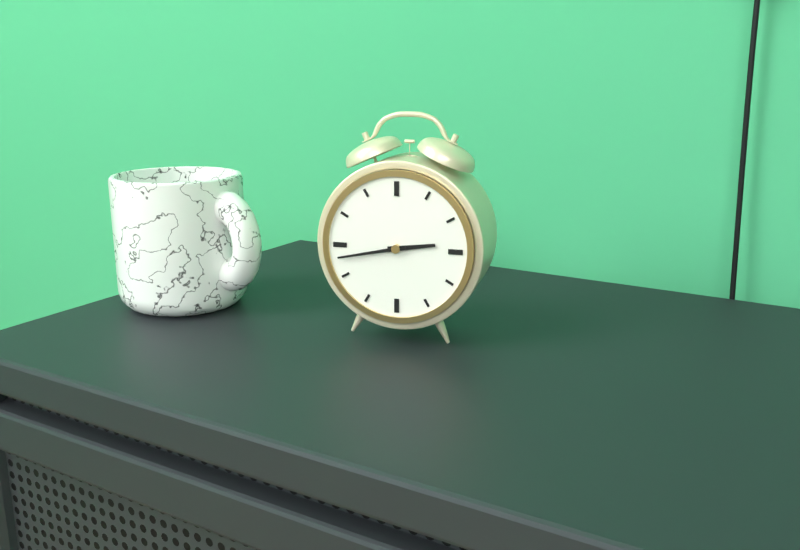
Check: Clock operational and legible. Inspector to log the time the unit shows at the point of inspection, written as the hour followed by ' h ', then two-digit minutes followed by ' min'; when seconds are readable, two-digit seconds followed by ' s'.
2 h 43 min
